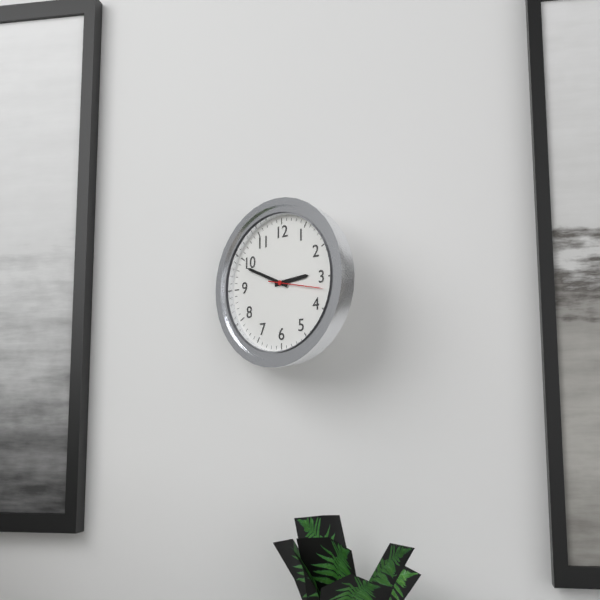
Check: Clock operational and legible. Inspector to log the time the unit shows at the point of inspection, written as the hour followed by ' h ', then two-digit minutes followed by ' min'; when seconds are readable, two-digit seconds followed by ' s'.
2 h 49 min
